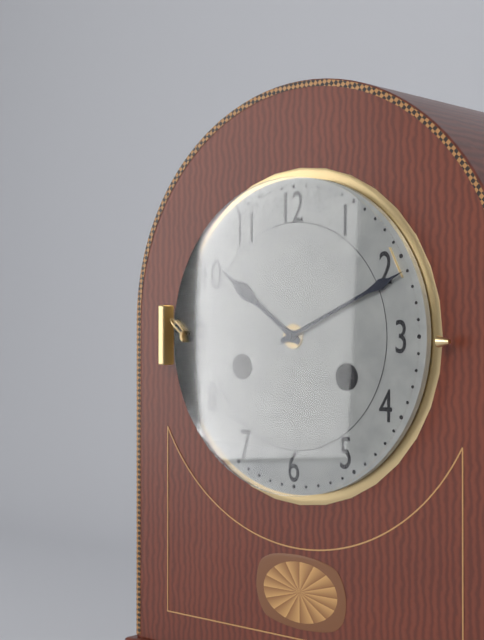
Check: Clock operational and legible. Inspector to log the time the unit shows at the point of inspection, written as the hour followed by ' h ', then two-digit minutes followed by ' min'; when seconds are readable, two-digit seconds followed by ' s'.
10 h 11 min
